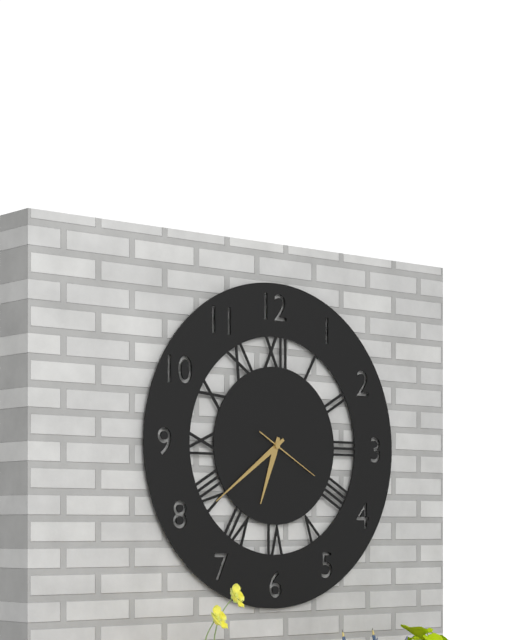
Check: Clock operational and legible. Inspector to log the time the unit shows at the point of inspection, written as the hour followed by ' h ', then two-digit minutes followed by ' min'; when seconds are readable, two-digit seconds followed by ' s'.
6 h 39 min 20 s
